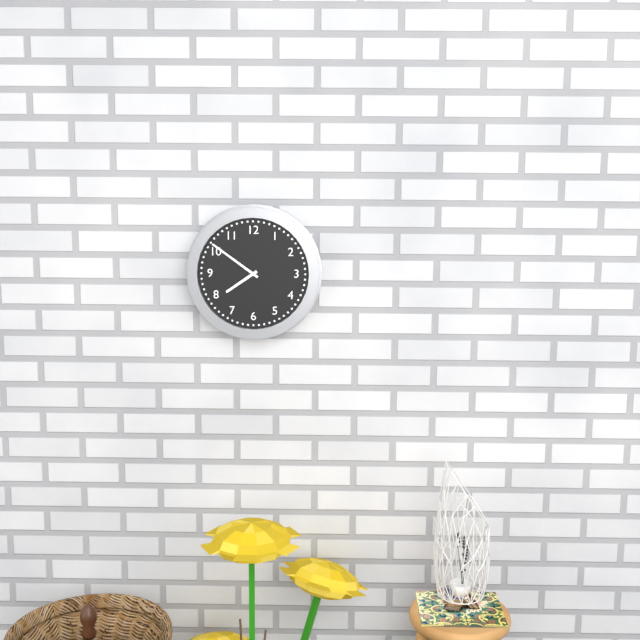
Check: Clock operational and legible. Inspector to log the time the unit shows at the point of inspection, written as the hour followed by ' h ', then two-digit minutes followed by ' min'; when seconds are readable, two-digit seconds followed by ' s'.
7 h 51 min
